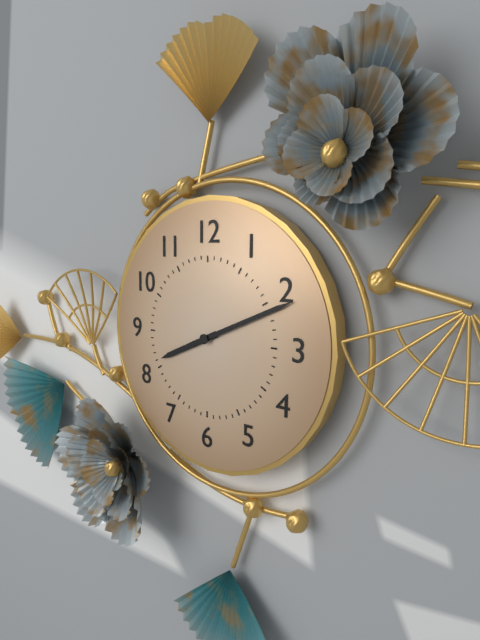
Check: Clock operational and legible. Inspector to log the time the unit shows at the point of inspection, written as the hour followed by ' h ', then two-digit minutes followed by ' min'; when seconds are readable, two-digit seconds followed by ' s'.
8 h 11 min
